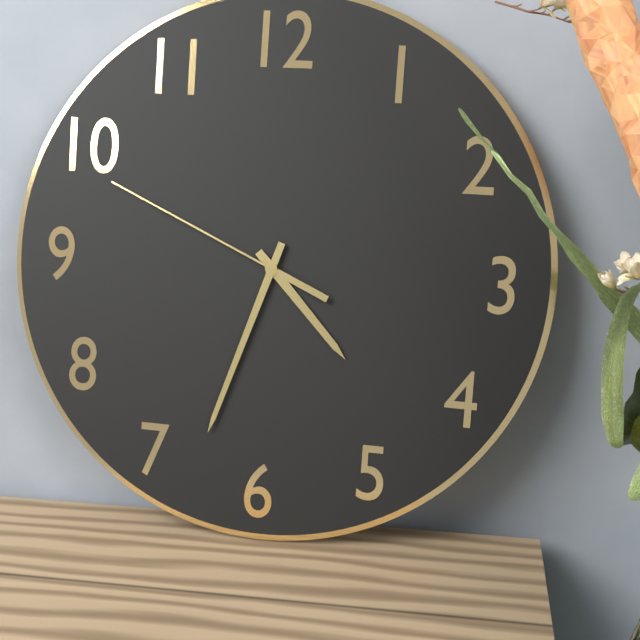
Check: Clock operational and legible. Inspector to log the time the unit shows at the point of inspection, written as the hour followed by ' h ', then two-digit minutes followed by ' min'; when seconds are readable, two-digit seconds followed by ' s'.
4 h 33 min 49 s
